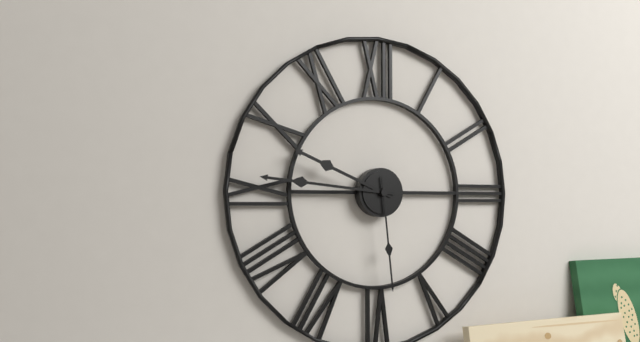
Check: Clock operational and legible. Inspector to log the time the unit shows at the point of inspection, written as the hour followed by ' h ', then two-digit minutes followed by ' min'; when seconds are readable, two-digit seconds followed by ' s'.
9 h 46 min 29 s
